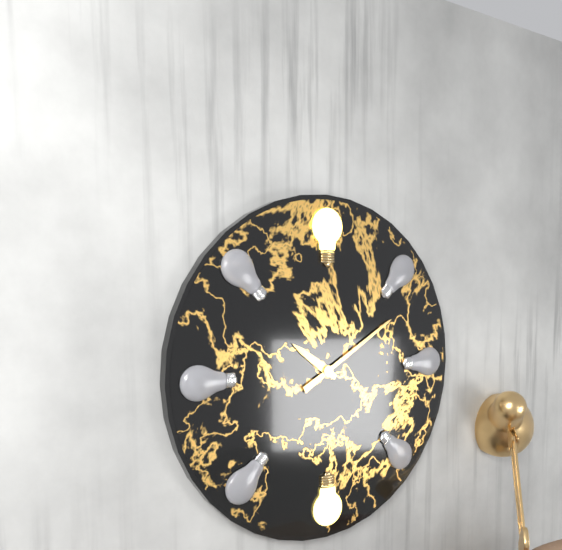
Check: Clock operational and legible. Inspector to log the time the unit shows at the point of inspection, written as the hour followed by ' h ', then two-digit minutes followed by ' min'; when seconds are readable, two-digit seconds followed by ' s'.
10 h 10 min
